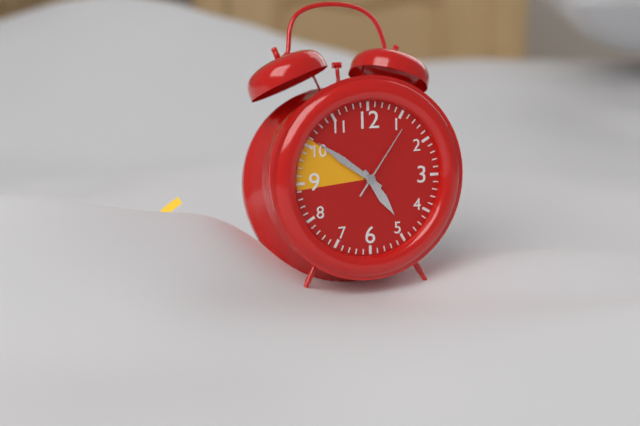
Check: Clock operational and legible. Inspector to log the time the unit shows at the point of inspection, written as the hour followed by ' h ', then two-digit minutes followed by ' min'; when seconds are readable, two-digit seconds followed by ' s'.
4 h 51 min 06 s
